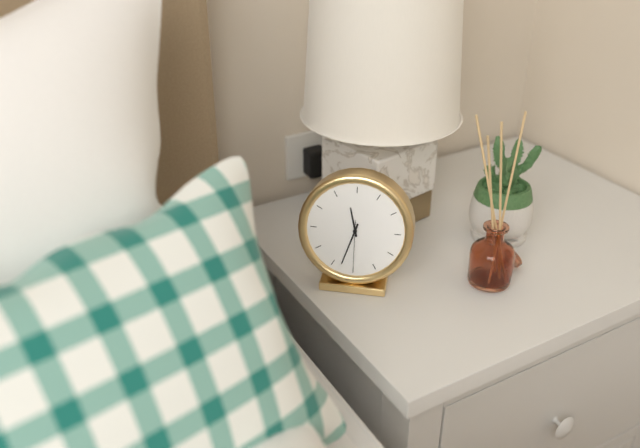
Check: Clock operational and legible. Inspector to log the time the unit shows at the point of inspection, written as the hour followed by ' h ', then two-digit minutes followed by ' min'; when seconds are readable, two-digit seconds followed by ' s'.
11 h 33 min 30 s
